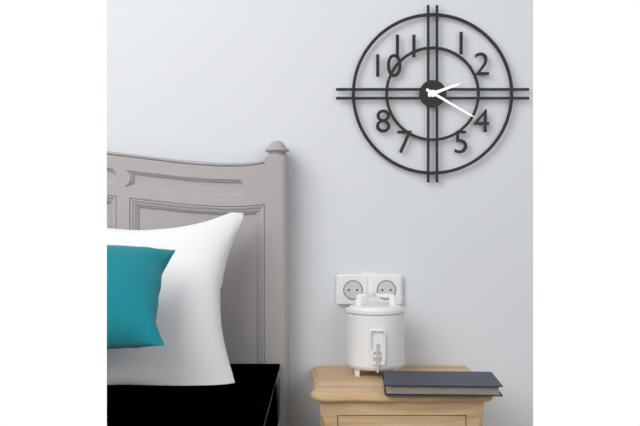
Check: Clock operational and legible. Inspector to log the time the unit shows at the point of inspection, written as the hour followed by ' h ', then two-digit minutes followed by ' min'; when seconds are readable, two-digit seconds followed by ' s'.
2 h 20 min
